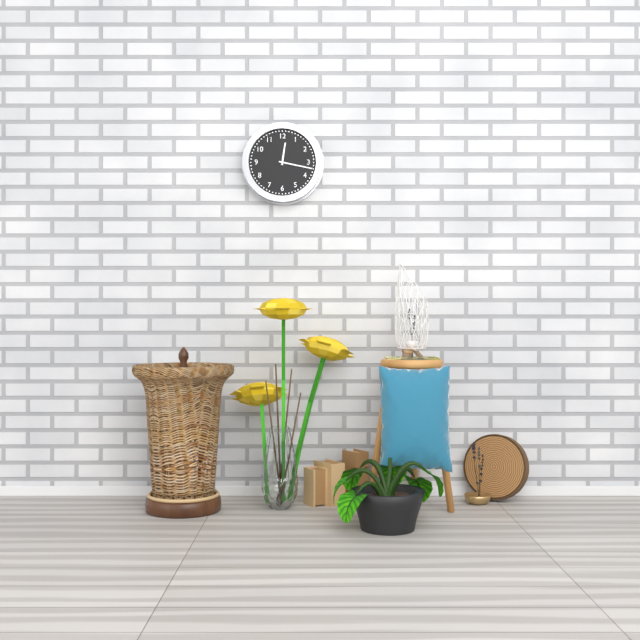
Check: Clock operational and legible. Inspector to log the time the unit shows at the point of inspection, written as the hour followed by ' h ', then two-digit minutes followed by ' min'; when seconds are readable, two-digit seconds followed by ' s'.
12 h 17 min
